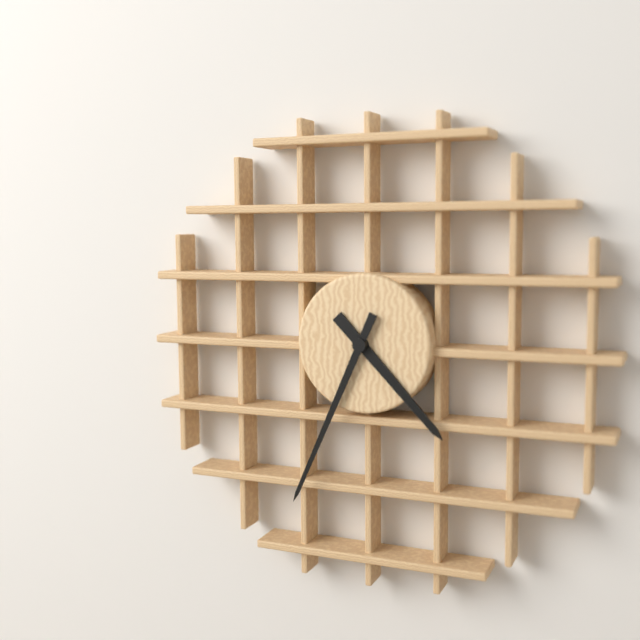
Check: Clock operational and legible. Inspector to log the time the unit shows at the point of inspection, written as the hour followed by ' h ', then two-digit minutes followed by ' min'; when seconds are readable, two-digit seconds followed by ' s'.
4 h 34 min
